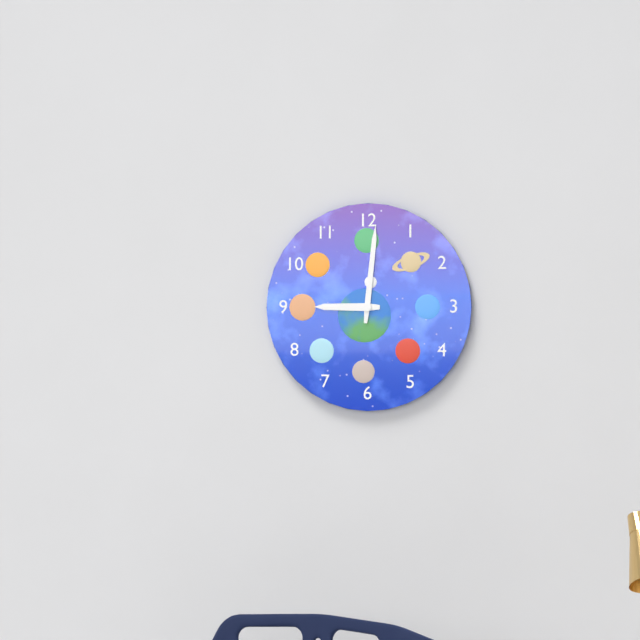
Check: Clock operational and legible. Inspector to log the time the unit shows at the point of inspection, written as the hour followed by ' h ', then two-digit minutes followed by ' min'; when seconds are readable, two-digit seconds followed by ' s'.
9 h 01 min
